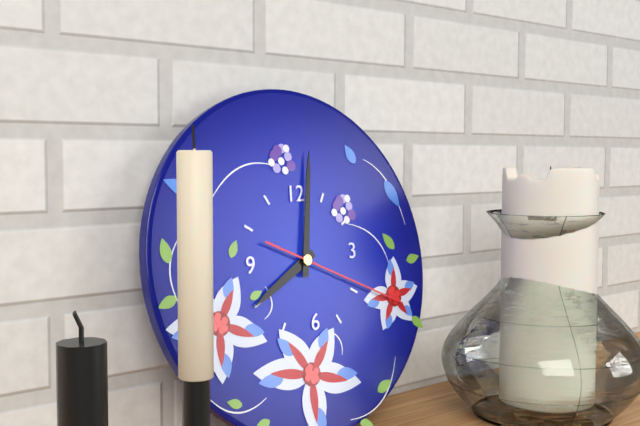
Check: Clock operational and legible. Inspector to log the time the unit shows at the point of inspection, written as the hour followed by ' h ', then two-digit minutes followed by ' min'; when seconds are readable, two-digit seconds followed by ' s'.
8 h 02 min 19 s
